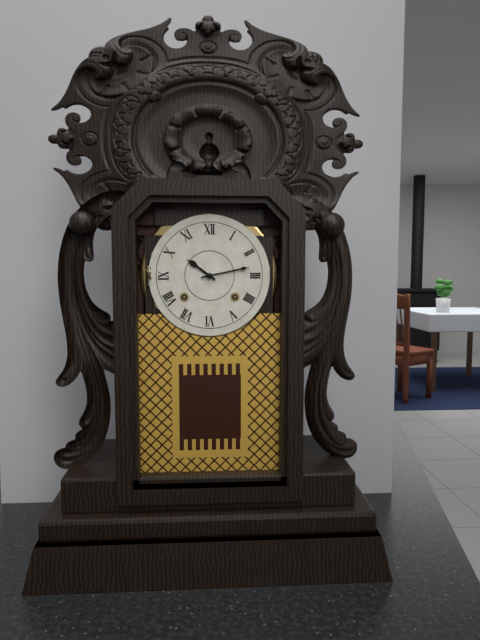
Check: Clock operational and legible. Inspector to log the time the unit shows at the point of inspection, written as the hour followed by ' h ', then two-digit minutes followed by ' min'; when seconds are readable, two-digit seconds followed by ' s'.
10 h 13 min
